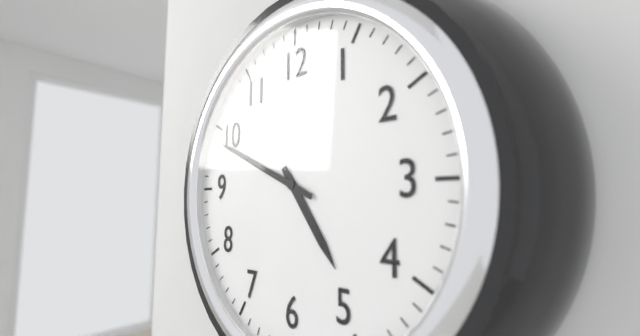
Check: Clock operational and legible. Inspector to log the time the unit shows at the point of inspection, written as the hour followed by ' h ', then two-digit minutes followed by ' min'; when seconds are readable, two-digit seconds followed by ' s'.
4 h 49 min
